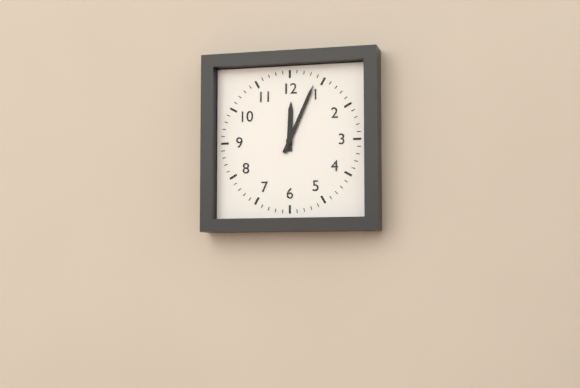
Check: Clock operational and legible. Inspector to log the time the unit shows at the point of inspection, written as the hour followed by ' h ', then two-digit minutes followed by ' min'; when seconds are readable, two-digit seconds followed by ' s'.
12 h 04 min
